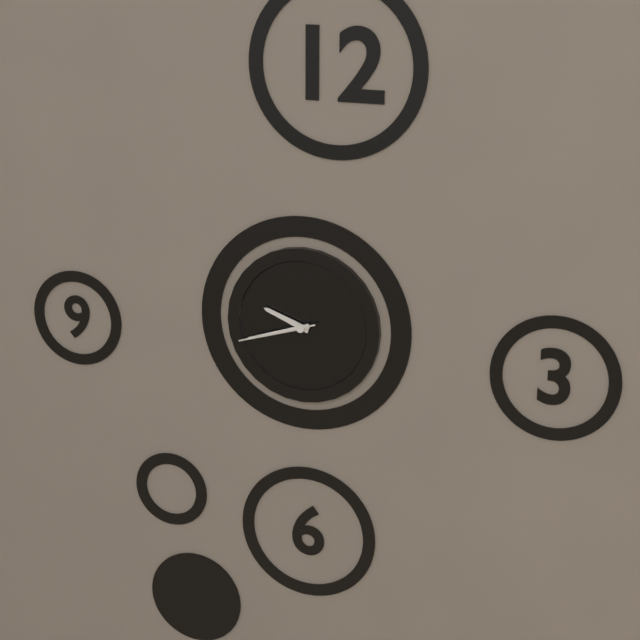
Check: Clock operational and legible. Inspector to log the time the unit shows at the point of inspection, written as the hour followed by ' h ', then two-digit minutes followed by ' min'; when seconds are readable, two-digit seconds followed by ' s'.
9 h 42 min 42 s
